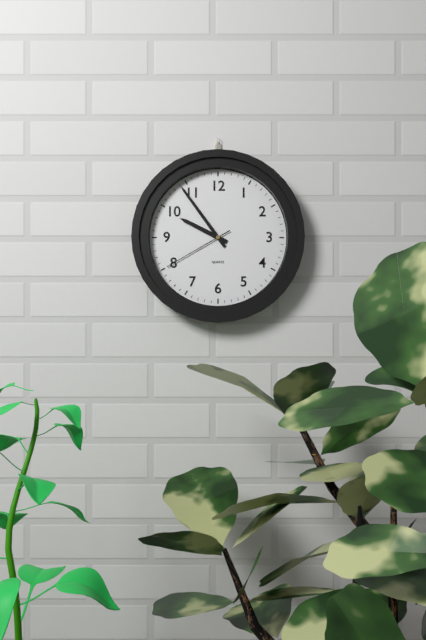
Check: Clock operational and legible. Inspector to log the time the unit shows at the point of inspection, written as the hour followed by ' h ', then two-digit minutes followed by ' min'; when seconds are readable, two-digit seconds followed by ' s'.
9 h 54 min 40 s
